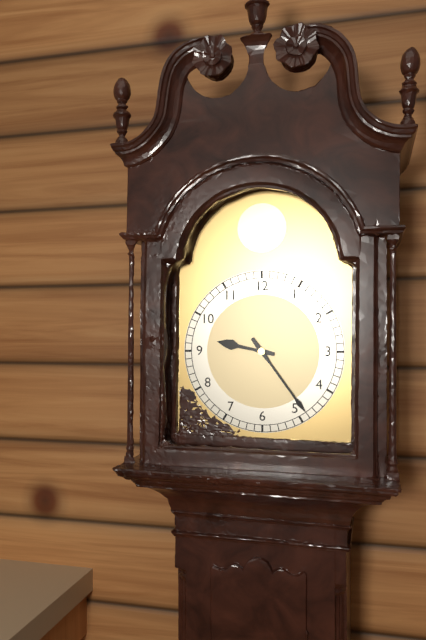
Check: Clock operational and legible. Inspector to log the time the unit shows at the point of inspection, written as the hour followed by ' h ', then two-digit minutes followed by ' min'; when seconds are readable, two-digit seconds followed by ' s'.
9 h 24 min
